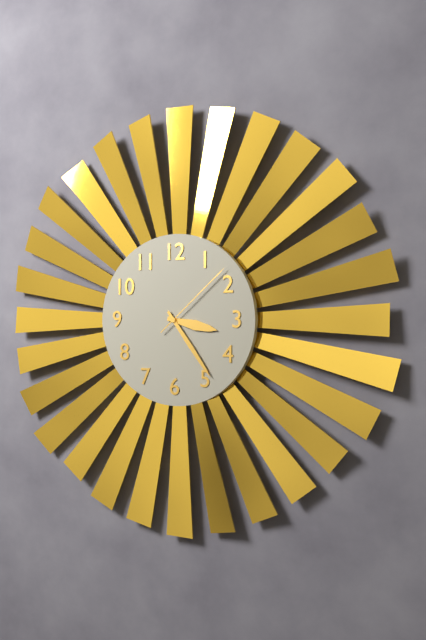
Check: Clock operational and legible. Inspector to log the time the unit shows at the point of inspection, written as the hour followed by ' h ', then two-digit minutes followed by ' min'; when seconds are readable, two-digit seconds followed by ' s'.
3 h 24 min 08 s
